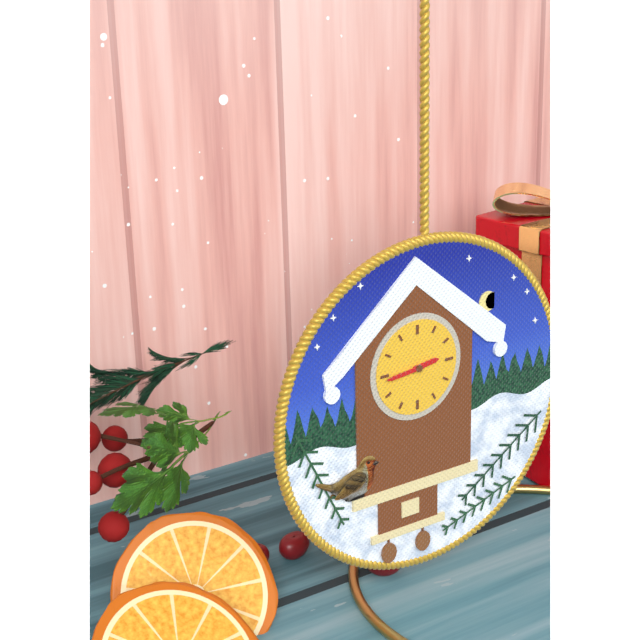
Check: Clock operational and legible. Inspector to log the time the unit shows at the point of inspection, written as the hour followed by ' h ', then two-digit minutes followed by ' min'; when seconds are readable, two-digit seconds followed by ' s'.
2 h 44 min
